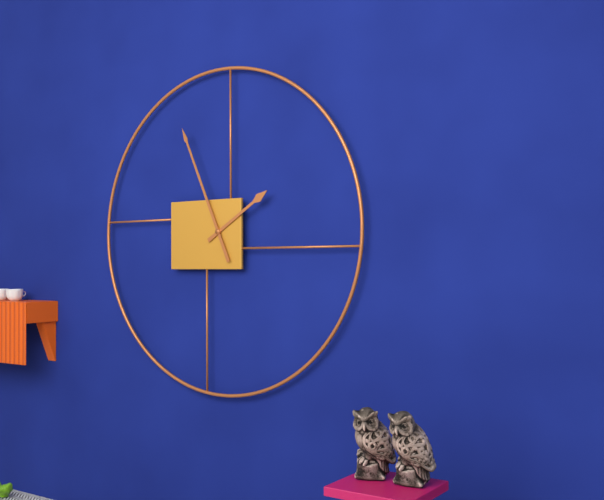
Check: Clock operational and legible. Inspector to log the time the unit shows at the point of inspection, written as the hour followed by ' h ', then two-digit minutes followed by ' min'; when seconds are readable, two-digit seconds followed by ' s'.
1 h 56 min
